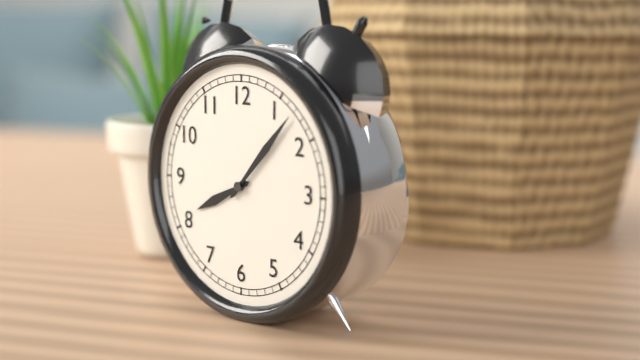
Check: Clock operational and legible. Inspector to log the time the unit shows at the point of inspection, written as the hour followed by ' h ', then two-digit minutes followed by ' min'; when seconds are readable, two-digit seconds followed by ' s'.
8 h 07 min
